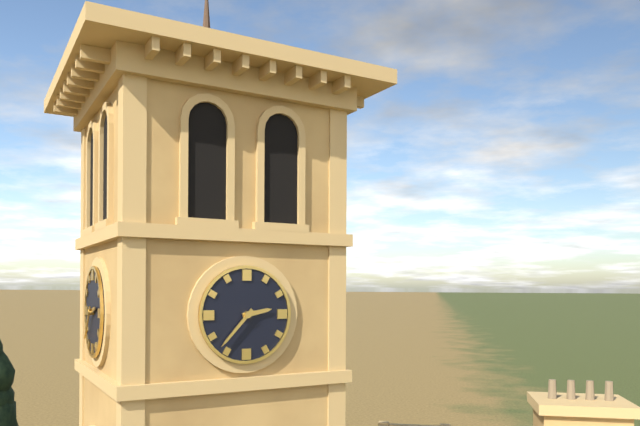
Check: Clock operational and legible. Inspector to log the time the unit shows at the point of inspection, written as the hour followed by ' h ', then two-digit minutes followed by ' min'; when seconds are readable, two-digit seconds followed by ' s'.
2 h 37 min
